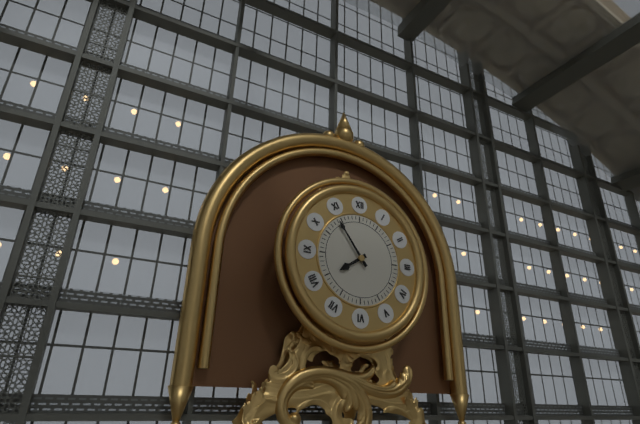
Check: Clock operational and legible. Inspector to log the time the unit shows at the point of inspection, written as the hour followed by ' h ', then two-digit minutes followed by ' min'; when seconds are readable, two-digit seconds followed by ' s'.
7 h 54 min
